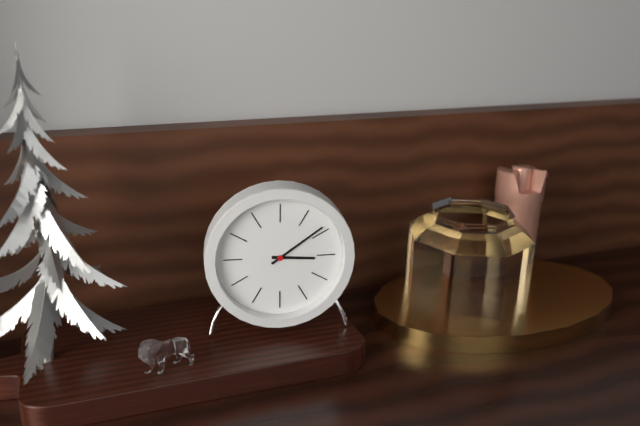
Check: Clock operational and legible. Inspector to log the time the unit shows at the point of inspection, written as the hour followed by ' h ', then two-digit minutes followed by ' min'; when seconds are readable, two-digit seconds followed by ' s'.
3 h 09 min
